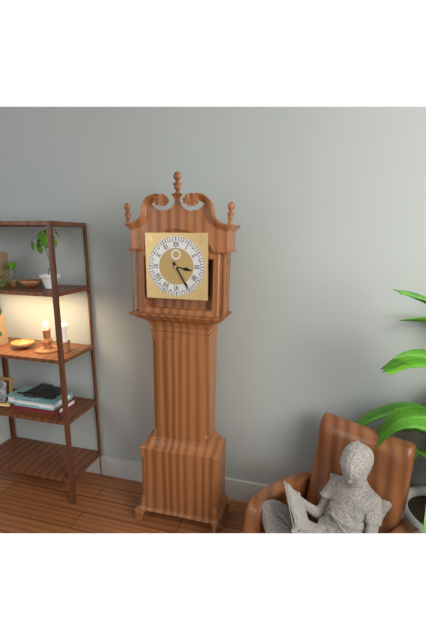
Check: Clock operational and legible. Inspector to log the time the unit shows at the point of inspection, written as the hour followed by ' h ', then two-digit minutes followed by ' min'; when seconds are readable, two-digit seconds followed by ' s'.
3 h 25 min
